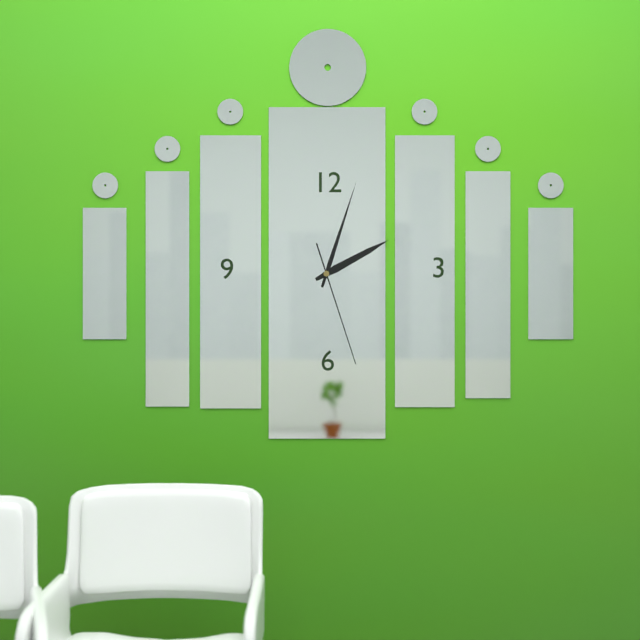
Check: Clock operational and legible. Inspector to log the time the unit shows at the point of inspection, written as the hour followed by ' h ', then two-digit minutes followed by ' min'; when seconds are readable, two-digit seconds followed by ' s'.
2 h 03 min 27 s
